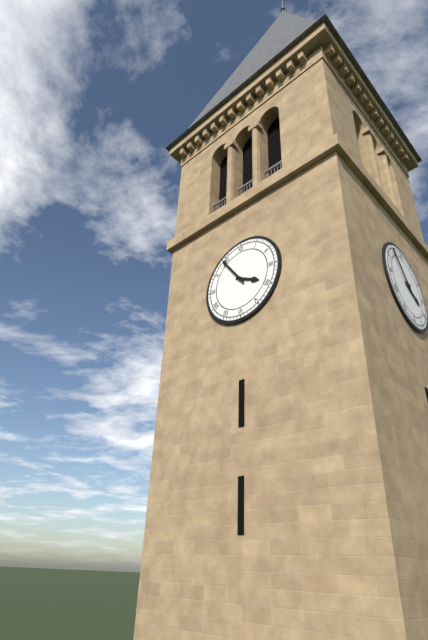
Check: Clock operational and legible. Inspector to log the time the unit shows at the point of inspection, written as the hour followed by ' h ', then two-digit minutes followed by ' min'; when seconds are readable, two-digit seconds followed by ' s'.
3 h 54 min
